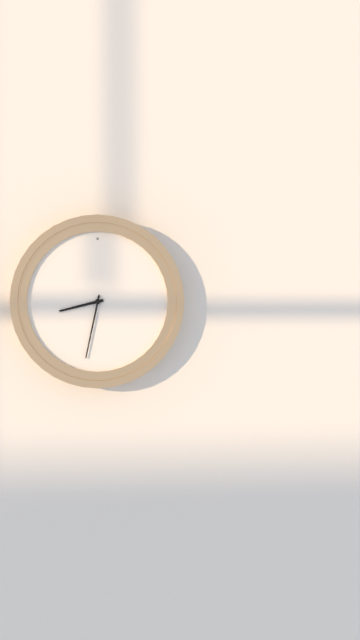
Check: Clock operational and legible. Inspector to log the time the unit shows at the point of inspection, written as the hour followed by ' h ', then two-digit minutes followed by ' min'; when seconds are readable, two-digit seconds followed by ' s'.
8 h 32 min
